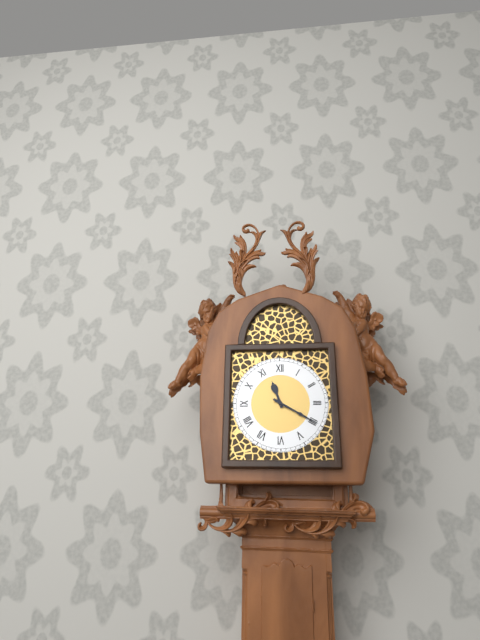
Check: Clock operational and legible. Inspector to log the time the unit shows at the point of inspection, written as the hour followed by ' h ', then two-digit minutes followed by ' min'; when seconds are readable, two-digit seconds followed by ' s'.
11 h 20 min
